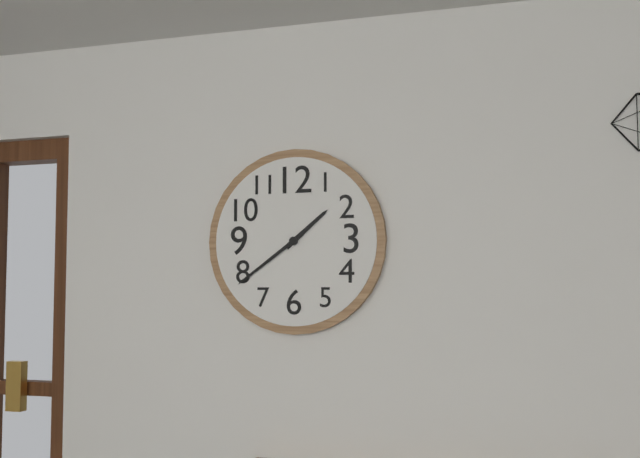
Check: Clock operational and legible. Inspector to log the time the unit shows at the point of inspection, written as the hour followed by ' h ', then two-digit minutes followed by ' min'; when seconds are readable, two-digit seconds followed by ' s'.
1 h 39 min
